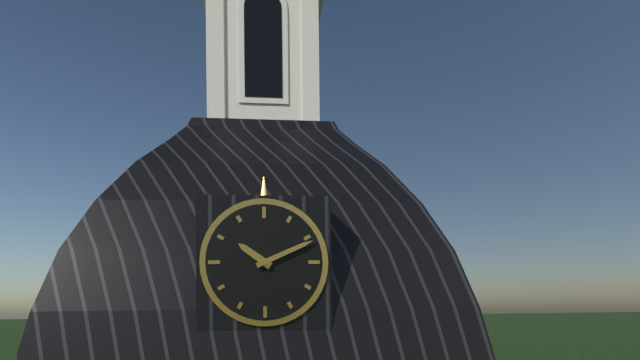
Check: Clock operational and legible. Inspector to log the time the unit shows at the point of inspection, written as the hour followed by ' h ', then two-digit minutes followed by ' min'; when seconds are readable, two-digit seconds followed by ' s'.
10 h 11 min
